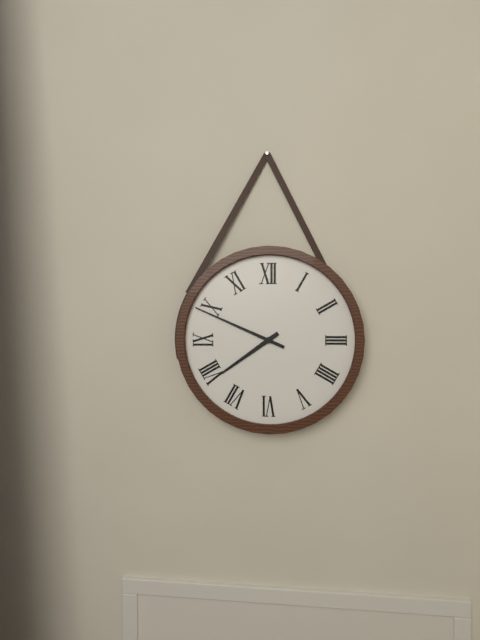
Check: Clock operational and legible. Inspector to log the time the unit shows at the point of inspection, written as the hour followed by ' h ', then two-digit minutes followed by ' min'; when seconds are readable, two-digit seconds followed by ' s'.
7 h 49 min
